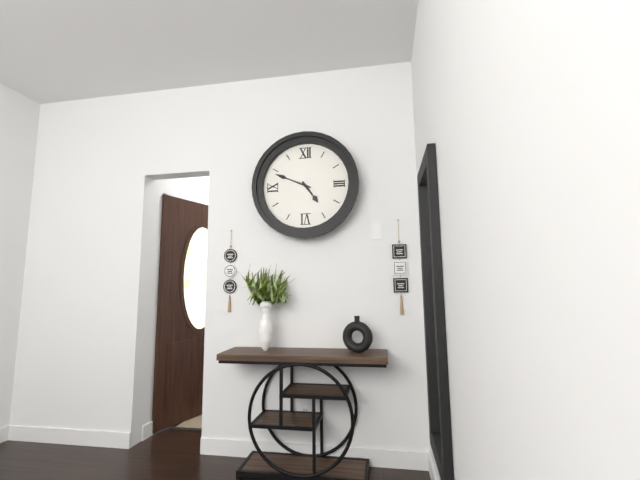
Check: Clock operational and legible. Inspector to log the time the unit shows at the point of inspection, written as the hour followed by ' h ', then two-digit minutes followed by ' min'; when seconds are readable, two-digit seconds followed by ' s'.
4 h 49 min
